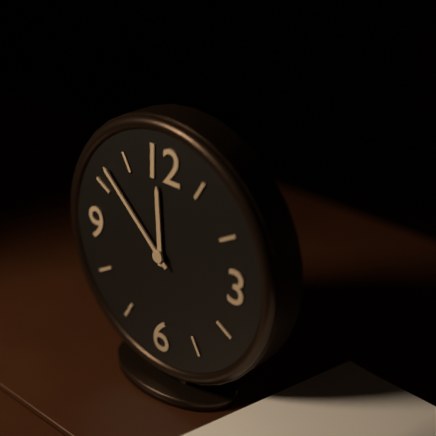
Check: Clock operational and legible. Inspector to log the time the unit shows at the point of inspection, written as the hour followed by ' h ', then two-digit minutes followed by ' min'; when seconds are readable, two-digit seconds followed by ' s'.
11 h 52 min
